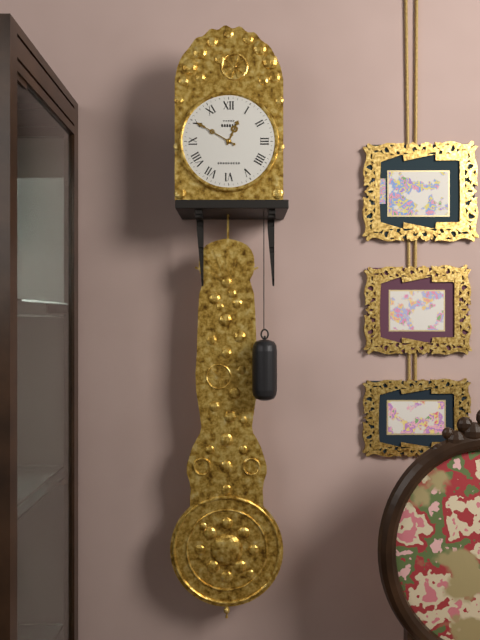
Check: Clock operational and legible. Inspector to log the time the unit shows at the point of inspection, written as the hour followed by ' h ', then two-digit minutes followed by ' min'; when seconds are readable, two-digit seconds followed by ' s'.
12 h 50 min
